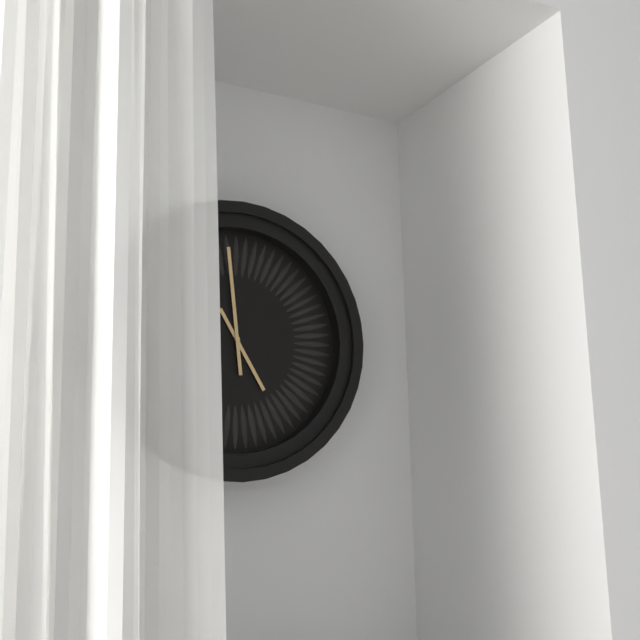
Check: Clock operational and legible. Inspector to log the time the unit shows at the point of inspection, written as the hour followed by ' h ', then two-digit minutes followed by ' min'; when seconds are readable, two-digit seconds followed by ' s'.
4 h 59 min
